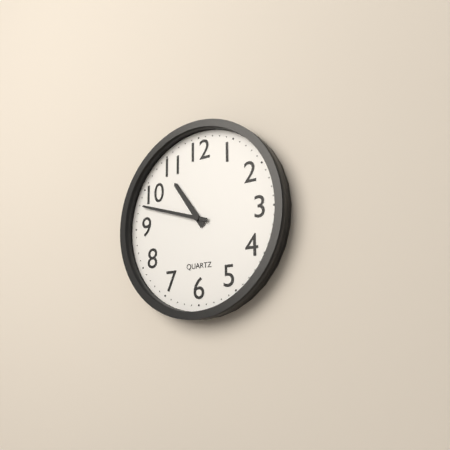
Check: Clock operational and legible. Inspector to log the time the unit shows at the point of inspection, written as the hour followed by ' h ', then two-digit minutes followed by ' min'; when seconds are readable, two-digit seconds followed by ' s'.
10 h 48 min
